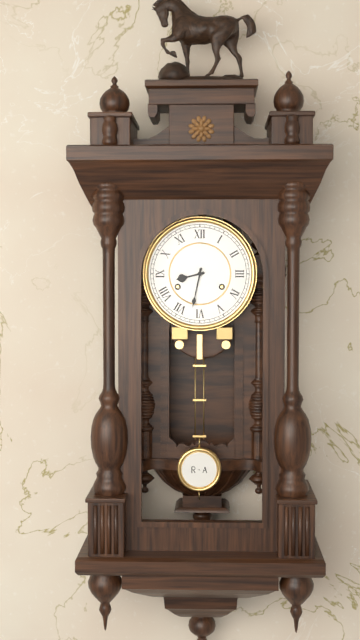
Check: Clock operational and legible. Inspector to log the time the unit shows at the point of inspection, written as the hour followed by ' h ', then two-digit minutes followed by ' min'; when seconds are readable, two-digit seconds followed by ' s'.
8 h 32 min
